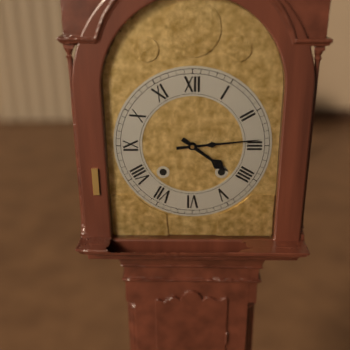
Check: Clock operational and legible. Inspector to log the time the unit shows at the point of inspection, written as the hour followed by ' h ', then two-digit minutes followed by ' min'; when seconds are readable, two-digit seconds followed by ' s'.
4 h 14 min
